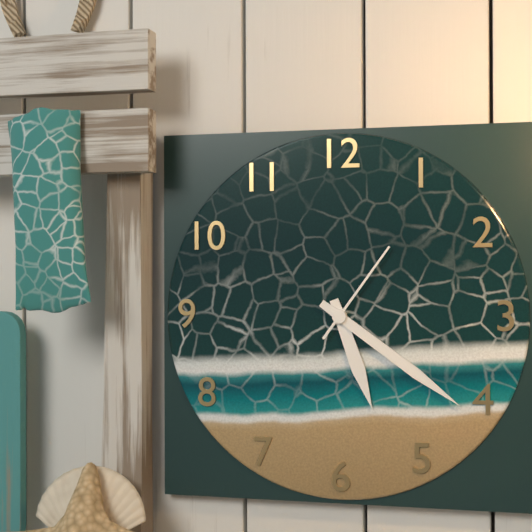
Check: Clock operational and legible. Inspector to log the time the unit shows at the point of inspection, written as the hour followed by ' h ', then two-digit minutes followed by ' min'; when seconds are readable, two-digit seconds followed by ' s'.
5 h 21 min 06 s
